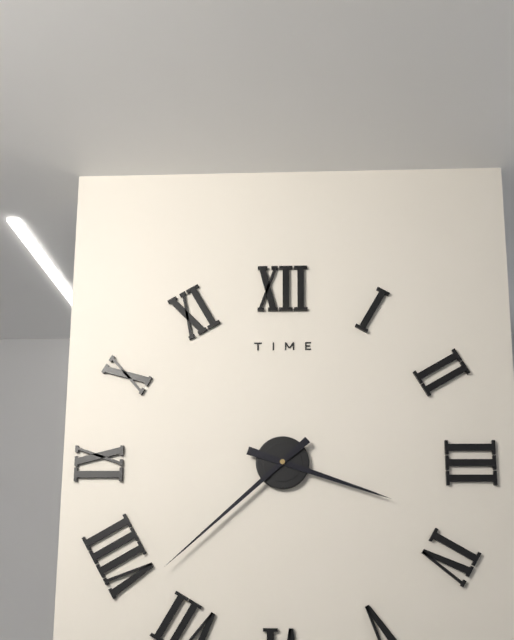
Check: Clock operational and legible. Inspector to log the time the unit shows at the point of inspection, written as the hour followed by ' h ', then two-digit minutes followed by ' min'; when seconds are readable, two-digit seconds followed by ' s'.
3 h 38 min
